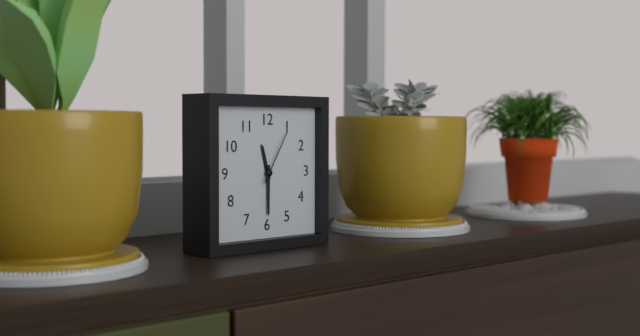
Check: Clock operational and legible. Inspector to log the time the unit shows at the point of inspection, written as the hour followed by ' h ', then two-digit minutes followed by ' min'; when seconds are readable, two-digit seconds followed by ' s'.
11 h 30 min 05 s
